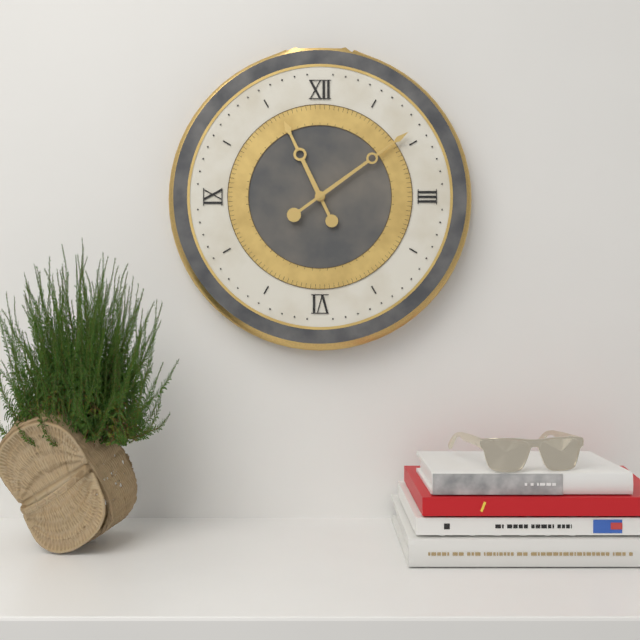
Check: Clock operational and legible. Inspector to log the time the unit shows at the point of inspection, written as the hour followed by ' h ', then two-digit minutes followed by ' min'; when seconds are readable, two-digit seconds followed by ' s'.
11 h 09 min
